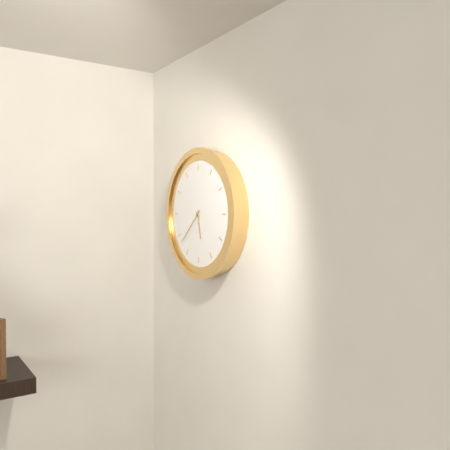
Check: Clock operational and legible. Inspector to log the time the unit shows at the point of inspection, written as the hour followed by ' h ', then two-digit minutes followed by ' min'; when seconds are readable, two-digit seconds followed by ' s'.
5 h 38 min
